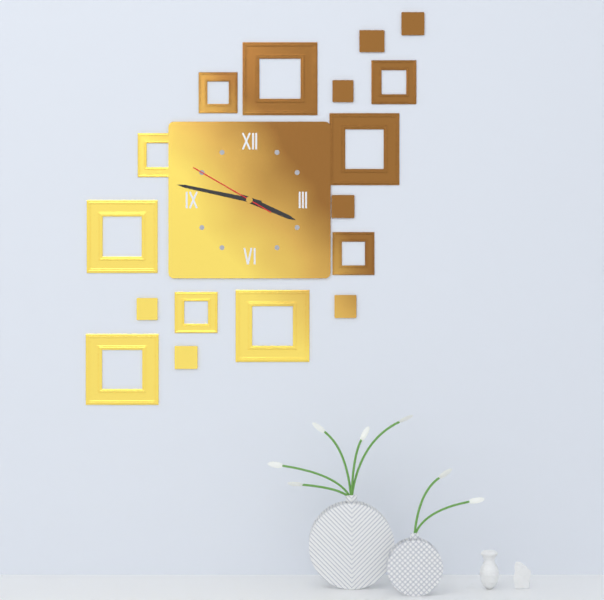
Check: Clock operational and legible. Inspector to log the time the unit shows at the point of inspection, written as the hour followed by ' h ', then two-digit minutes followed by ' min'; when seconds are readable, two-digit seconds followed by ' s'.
3 h 47 min 50 s
